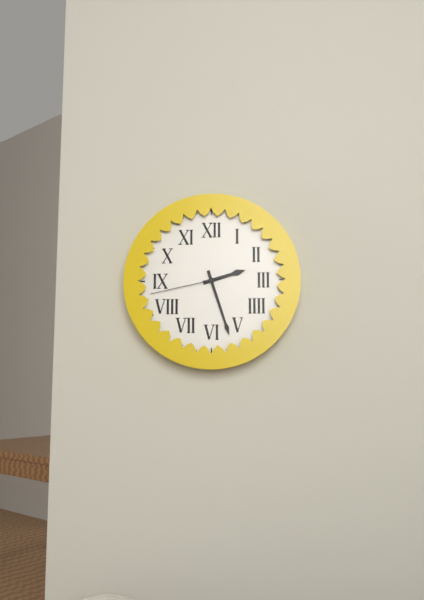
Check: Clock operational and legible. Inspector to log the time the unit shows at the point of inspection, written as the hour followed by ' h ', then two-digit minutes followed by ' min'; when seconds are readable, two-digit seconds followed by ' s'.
2 h 27 min 43 s
